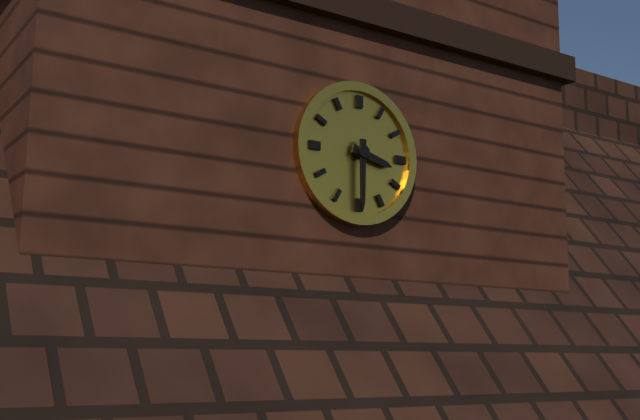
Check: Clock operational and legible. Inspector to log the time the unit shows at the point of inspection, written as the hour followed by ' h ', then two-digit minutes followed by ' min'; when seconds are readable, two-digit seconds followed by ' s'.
3 h 30 min
